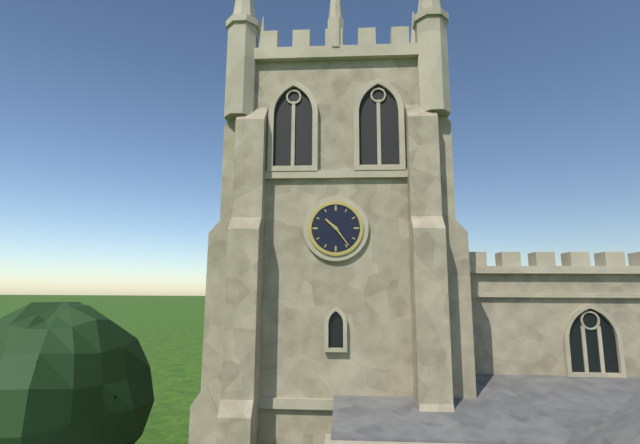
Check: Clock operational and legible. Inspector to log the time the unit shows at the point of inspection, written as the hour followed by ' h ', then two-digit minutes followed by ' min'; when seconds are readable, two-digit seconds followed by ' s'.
10 h 24 min
